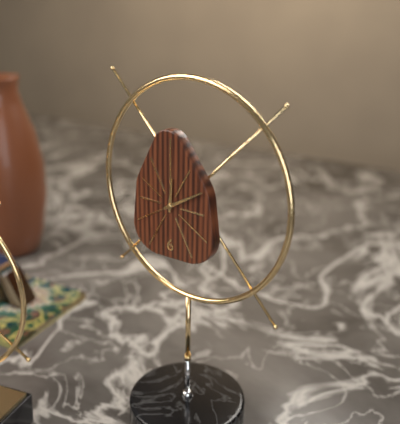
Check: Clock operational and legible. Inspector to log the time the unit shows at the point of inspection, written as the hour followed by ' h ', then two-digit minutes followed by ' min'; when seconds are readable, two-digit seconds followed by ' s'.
12 h 10 min
